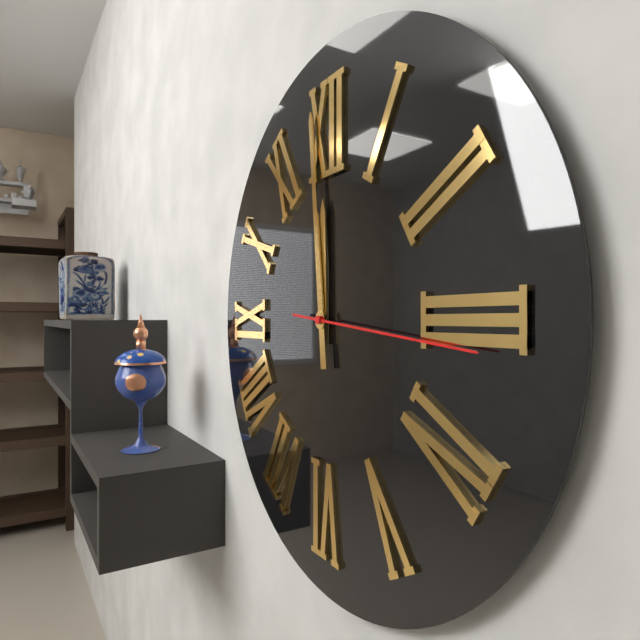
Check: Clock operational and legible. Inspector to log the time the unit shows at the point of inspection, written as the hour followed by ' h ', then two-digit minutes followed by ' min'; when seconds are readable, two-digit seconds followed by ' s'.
11 h 59 min 16 s
